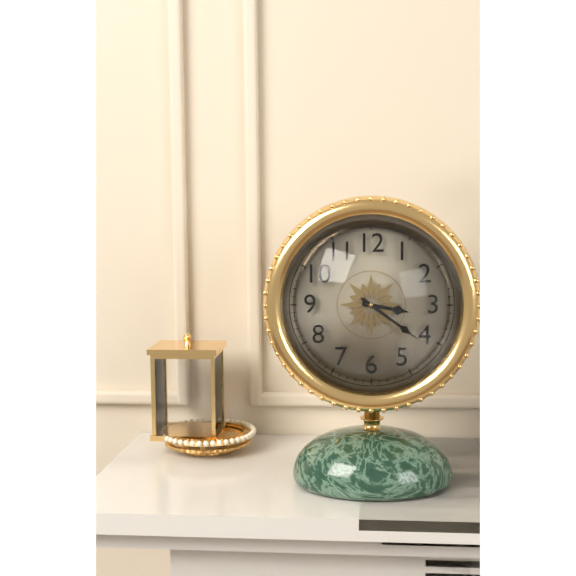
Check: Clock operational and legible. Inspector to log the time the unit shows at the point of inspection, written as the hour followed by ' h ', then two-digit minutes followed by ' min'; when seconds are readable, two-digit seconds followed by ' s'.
3 h 21 min
